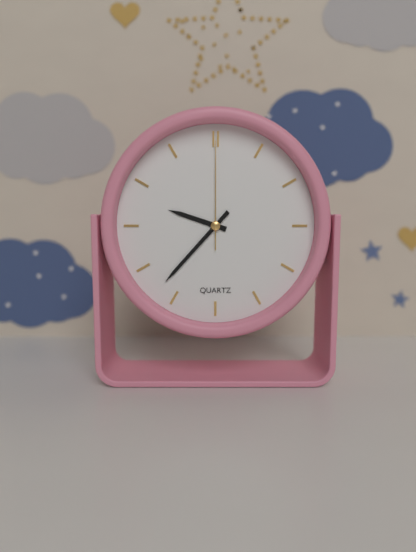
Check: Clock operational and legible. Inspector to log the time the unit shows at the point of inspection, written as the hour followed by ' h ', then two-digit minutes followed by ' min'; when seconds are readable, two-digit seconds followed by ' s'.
9 h 37 min 00 s
